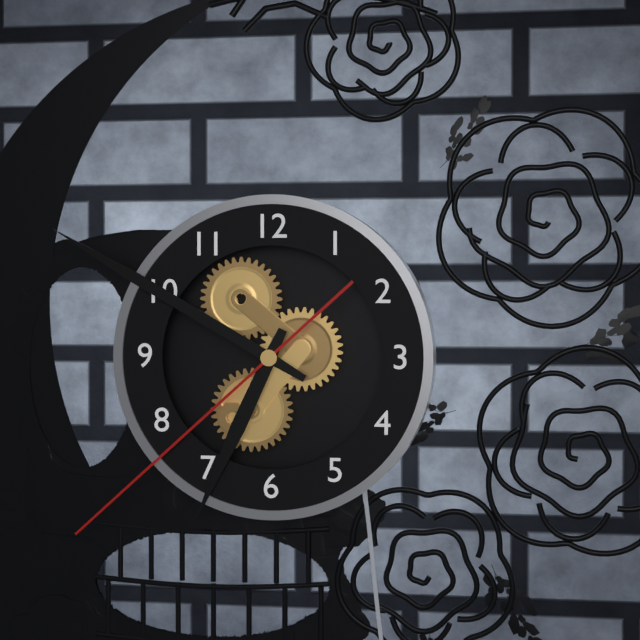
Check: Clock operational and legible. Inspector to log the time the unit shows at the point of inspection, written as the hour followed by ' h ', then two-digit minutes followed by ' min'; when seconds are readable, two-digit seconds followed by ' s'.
6 h 50 min 38 s
